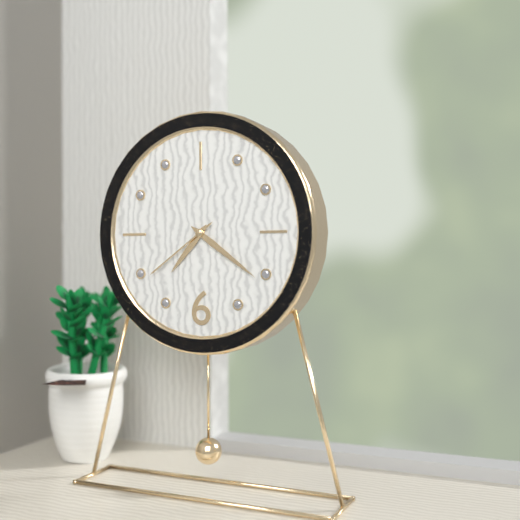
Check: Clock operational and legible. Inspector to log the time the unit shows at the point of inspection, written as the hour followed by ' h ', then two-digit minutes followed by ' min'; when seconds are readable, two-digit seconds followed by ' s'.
7 h 21 min 39 s
